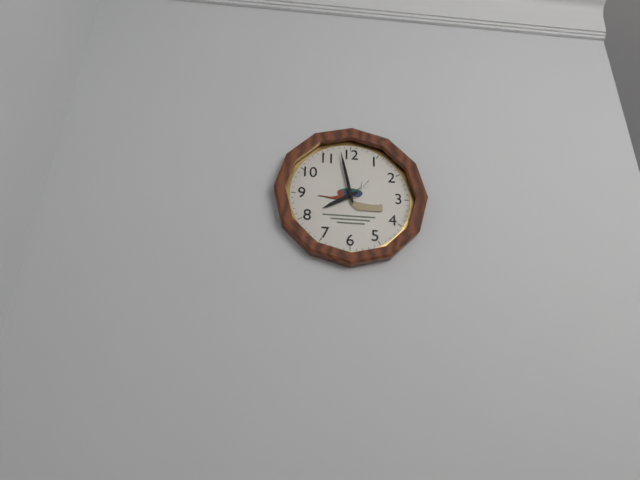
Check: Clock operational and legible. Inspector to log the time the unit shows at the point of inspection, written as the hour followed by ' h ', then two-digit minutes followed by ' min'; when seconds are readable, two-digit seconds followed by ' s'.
7 h 58 min
